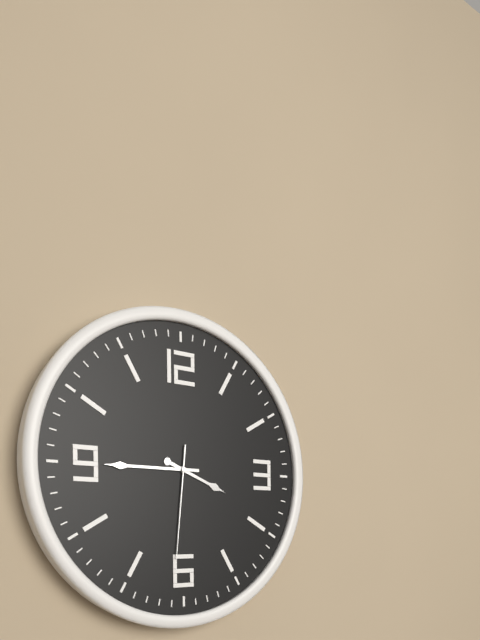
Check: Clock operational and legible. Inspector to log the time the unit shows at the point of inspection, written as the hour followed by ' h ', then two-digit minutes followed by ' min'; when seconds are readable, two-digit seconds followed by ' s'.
3 h 45 min 31 s
